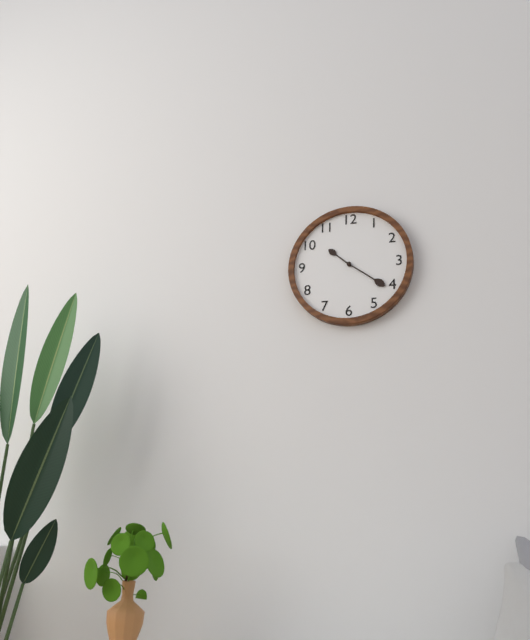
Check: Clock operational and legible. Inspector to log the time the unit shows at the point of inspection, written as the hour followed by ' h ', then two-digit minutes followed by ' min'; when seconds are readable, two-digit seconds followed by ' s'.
10 h 21 min
